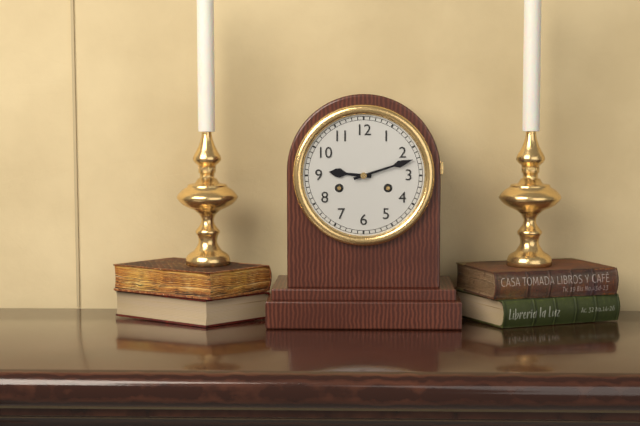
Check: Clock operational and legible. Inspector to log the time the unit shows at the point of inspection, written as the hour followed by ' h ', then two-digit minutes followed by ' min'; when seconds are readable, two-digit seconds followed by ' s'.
9 h 12 min
